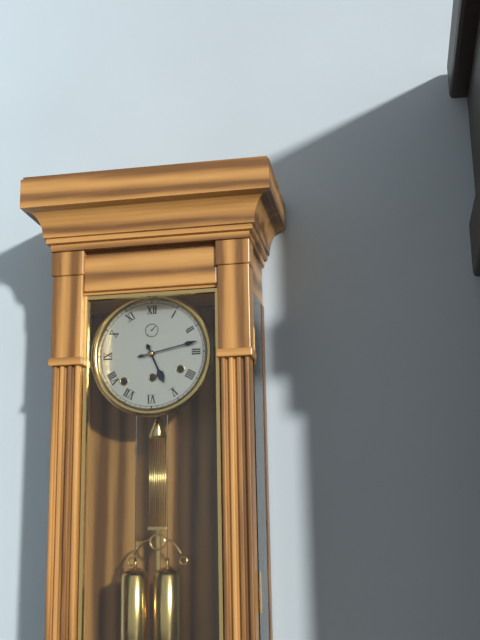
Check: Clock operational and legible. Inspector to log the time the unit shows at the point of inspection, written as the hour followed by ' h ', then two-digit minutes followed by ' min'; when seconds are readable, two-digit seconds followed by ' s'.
5 h 13 min
